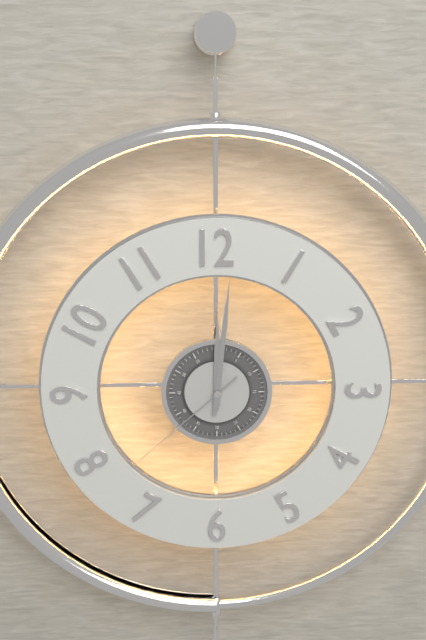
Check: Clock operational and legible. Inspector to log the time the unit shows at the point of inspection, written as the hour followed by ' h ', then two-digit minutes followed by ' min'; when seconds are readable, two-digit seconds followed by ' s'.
12 h 01 min 38 s
